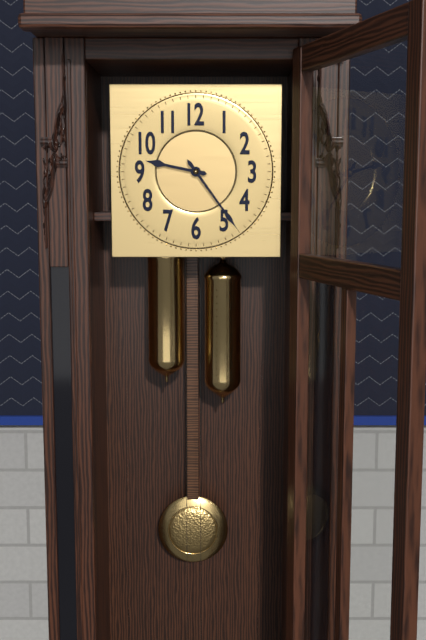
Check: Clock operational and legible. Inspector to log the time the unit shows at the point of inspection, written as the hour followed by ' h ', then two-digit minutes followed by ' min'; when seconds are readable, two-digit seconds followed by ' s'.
9 h 24 min
